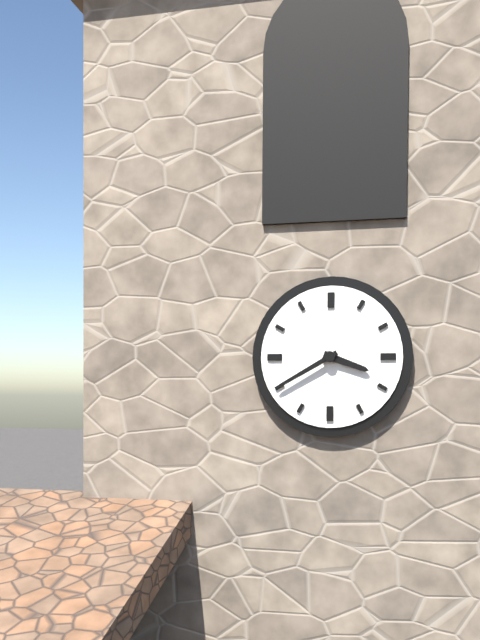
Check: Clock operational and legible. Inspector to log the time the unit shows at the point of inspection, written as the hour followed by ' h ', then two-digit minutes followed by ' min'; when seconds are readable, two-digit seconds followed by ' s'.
3 h 40 min
